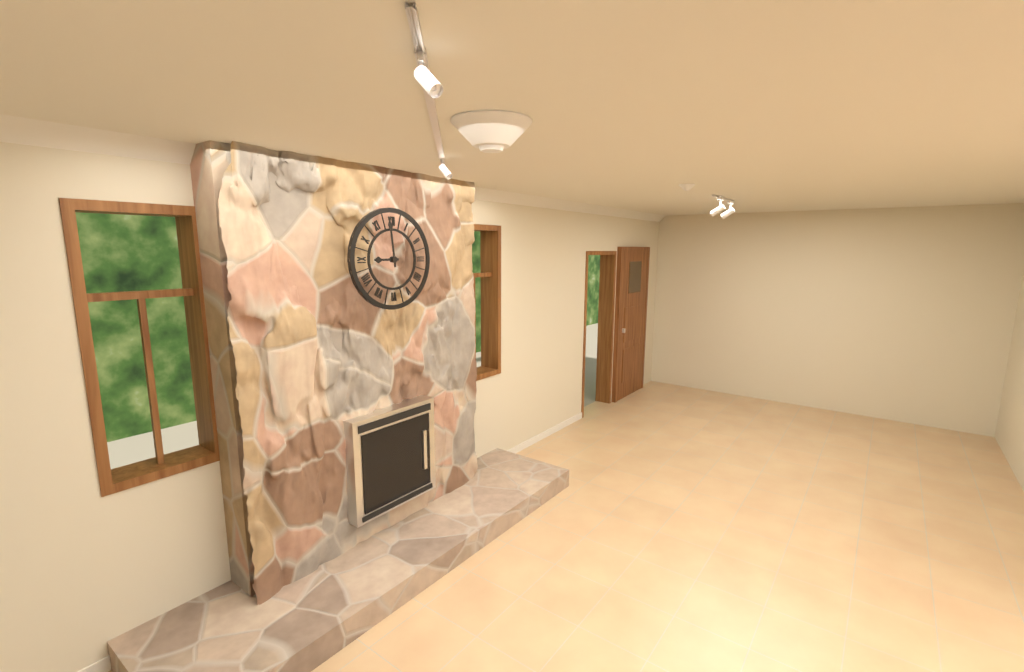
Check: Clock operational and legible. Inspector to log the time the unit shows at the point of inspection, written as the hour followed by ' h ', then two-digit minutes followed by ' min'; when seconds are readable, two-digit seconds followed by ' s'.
8 h 59 min
